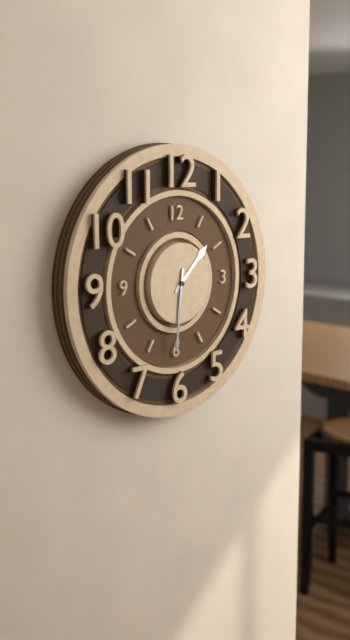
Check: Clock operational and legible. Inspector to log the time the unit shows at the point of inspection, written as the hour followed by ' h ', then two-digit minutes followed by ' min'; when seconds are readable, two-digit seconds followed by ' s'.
1 h 31 min
